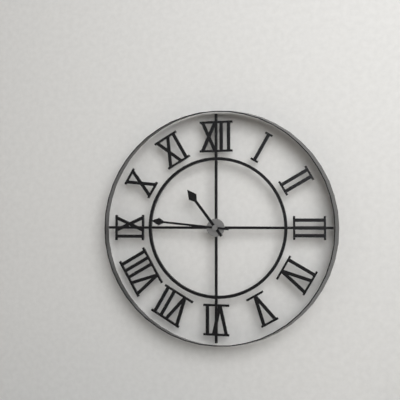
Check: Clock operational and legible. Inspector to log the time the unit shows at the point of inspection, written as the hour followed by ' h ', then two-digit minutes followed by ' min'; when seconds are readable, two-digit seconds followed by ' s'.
10 h 46 min
